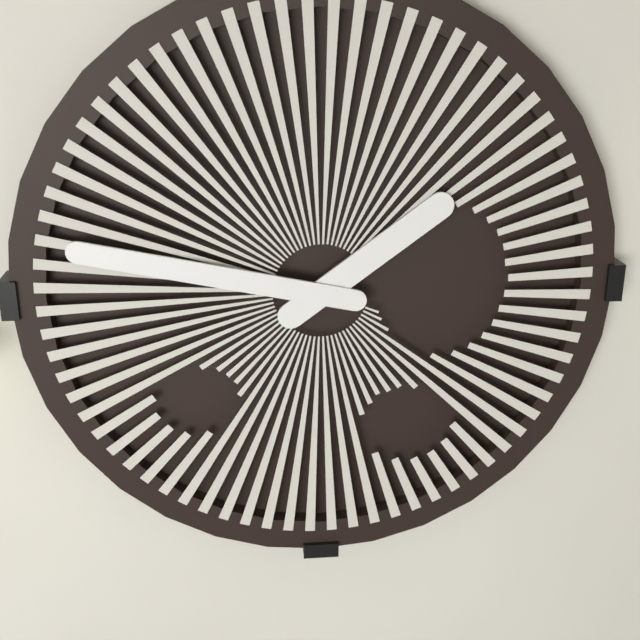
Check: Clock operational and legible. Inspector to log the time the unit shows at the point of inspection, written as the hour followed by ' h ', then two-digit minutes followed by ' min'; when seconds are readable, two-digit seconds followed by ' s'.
1 h 47 min
